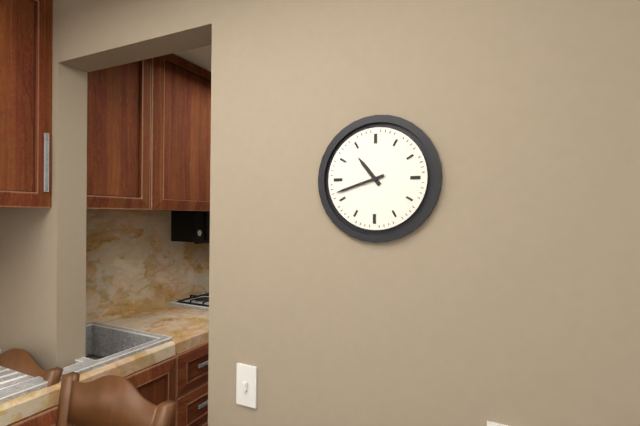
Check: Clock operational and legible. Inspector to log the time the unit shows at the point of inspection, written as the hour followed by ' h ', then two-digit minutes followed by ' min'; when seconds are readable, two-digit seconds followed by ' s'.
10 h 42 min
